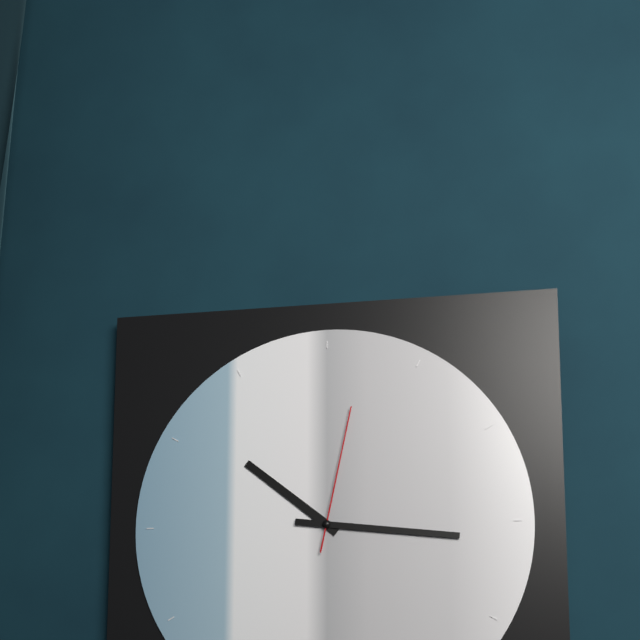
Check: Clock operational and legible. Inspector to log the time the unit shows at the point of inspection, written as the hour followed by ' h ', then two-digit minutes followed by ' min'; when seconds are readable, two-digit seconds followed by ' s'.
10 h 16 min 02 s
